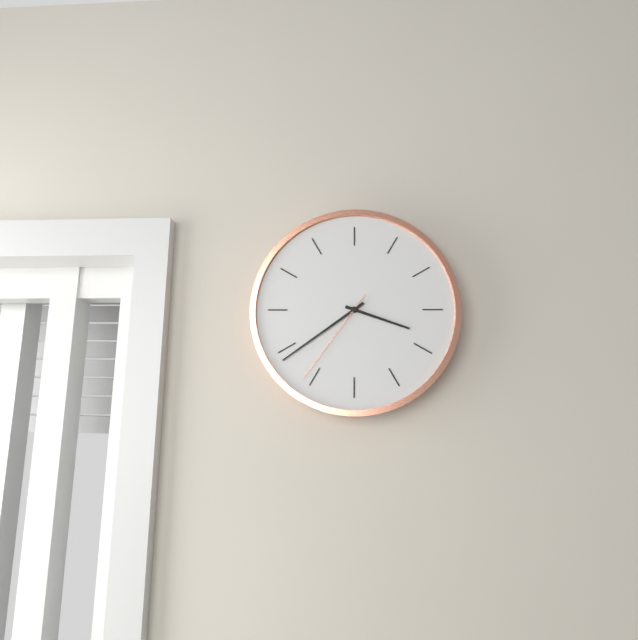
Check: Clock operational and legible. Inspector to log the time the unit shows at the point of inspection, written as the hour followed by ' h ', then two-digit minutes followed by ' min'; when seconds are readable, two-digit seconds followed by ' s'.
3 h 39 min 36 s
